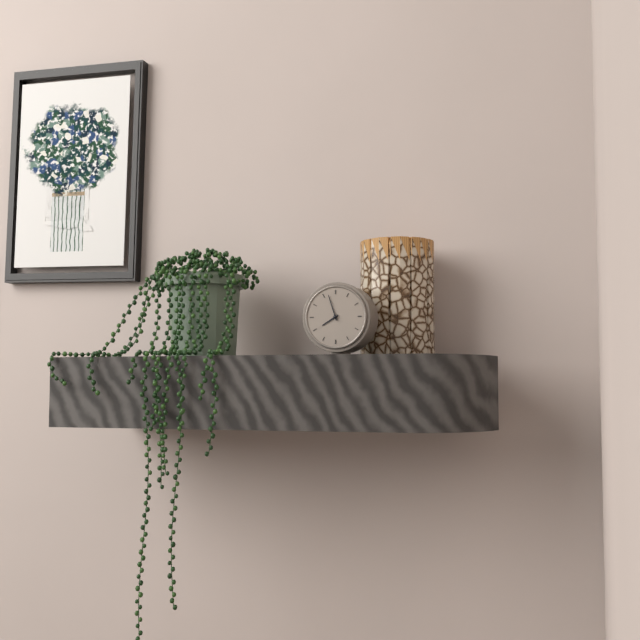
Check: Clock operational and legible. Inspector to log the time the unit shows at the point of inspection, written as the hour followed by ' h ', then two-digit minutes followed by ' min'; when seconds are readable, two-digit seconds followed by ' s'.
7 h 57 min
